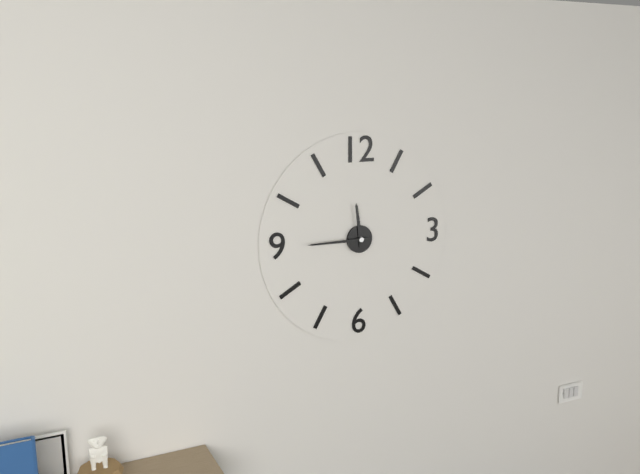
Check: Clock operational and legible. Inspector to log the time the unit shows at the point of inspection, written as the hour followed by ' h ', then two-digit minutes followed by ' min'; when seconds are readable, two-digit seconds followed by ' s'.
11 h 45 min
